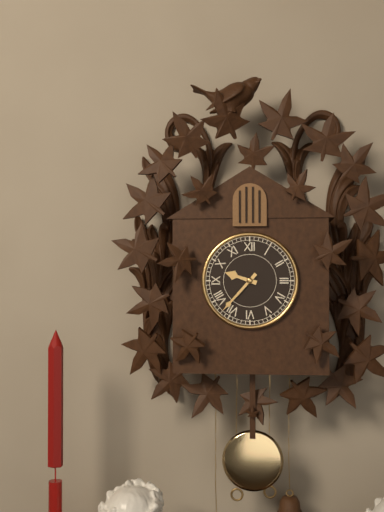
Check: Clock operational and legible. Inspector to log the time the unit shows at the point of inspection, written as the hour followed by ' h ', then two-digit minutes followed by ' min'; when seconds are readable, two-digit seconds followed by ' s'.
9 h 37 min
